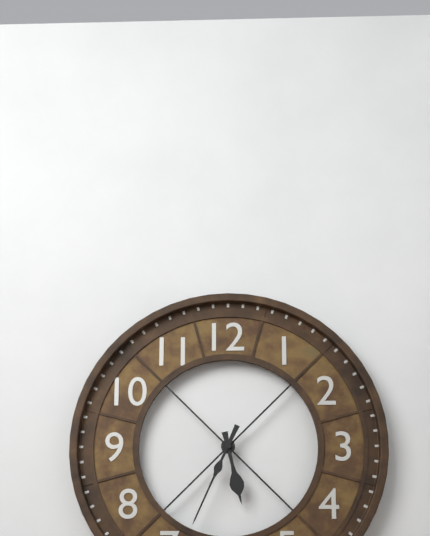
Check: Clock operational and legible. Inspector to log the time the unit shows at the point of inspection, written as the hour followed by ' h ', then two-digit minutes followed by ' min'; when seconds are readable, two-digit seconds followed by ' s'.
5 h 34 min
